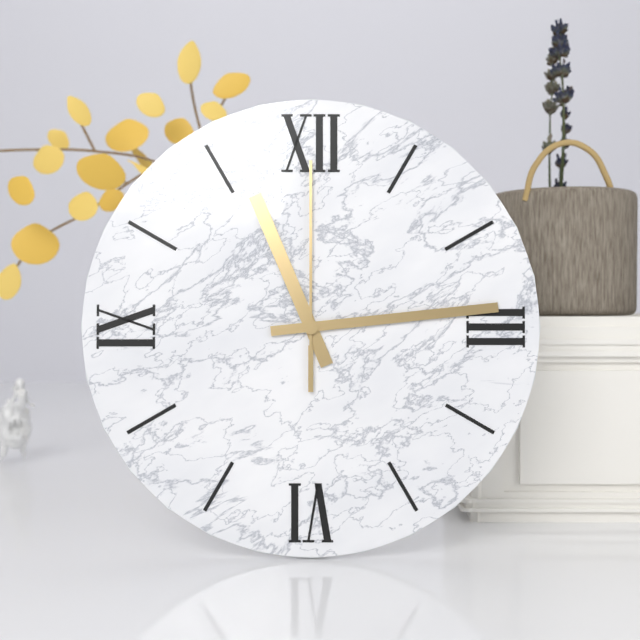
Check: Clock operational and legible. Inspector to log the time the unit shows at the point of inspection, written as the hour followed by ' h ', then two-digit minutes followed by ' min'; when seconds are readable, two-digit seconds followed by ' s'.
11 h 14 min 00 s
